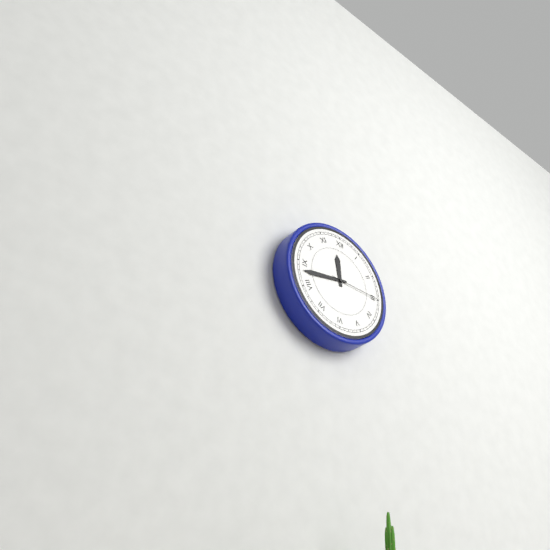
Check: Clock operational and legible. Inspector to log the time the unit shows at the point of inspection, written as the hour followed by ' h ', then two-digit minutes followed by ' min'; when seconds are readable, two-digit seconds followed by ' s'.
11 h 43 min 15 s
